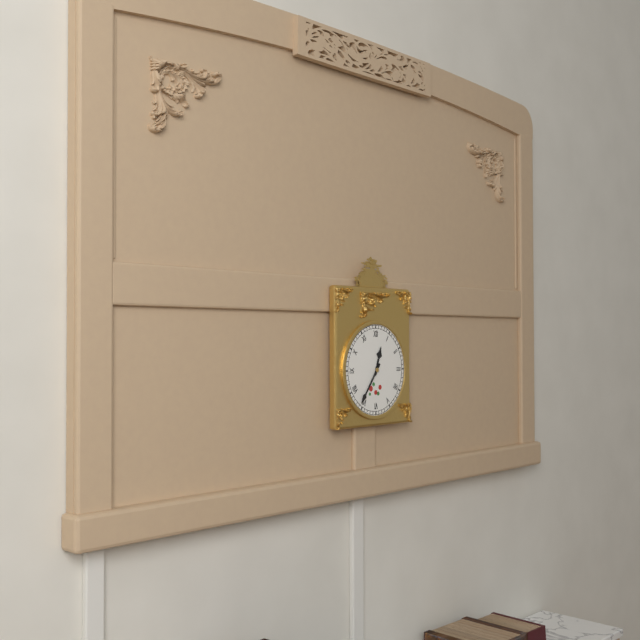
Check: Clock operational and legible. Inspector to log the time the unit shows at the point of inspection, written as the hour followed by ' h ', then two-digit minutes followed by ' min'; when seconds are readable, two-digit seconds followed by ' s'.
12 h 36 min
